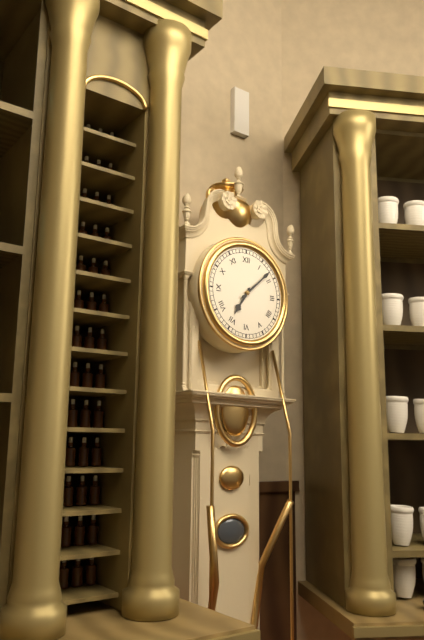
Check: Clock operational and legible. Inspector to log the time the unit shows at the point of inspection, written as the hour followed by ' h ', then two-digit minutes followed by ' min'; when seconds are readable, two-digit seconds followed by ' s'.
7 h 08 min
